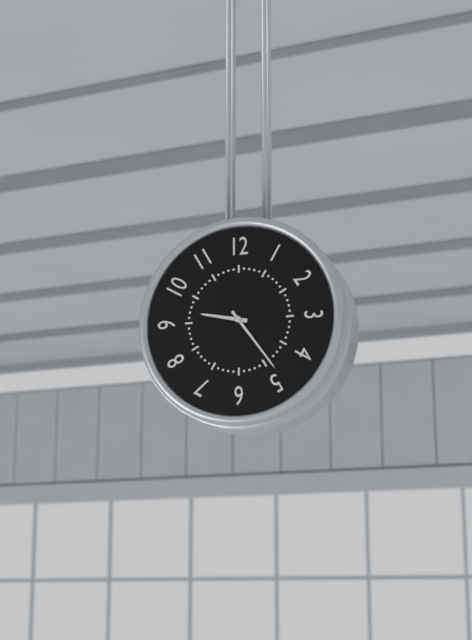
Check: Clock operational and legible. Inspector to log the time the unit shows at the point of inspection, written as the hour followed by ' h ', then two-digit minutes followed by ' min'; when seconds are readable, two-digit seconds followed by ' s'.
9 h 24 min
